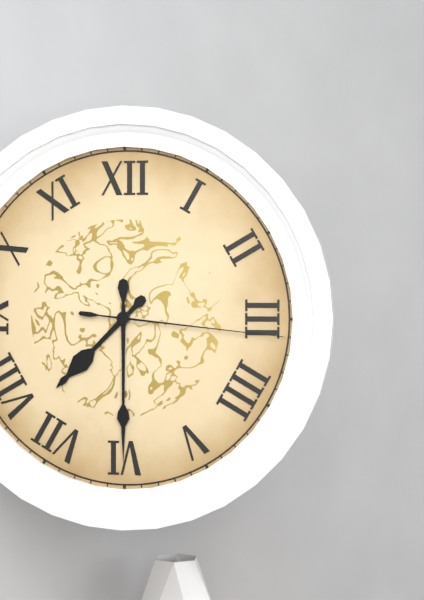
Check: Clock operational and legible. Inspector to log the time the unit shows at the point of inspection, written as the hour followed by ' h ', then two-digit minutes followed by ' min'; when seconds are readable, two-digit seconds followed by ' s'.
7 h 30 min 16 s
